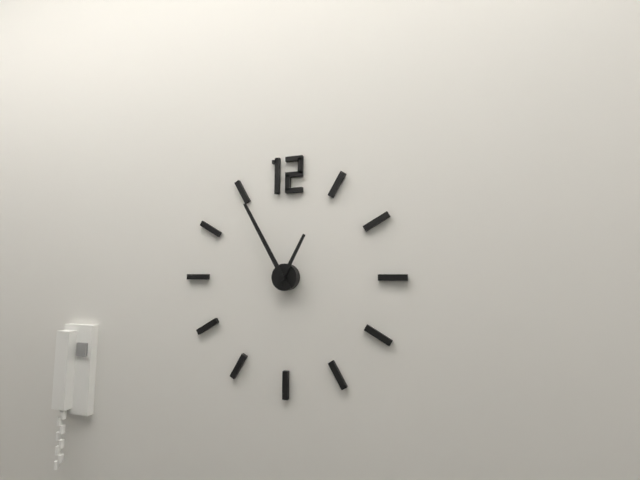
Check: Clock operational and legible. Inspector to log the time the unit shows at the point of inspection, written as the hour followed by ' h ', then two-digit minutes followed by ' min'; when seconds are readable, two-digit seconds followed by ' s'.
12 h 55 min
